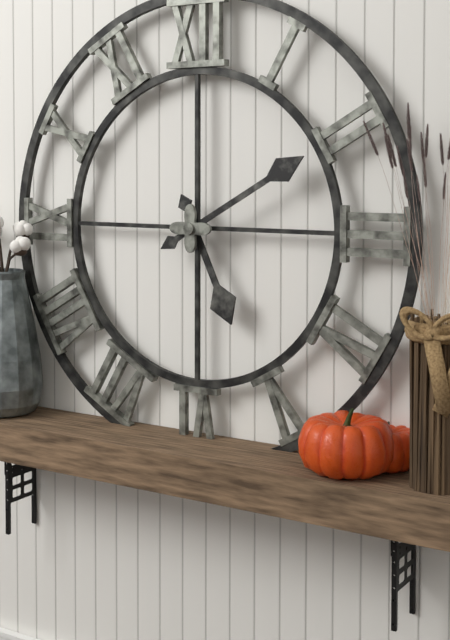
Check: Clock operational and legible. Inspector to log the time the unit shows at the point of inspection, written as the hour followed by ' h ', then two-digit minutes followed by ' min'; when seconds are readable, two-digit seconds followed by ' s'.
5 h 10 min
